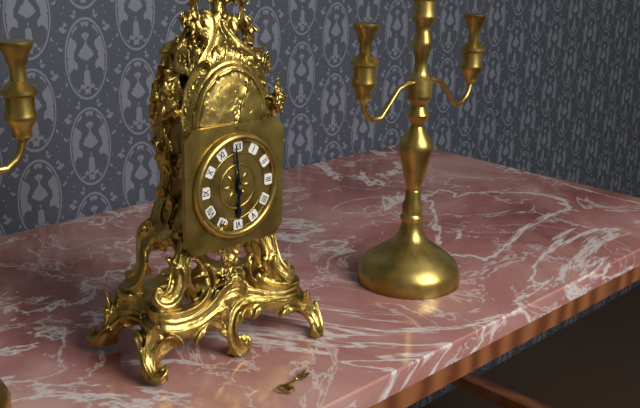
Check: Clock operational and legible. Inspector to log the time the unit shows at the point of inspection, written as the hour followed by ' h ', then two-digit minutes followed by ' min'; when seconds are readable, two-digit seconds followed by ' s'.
5 h 59 min
